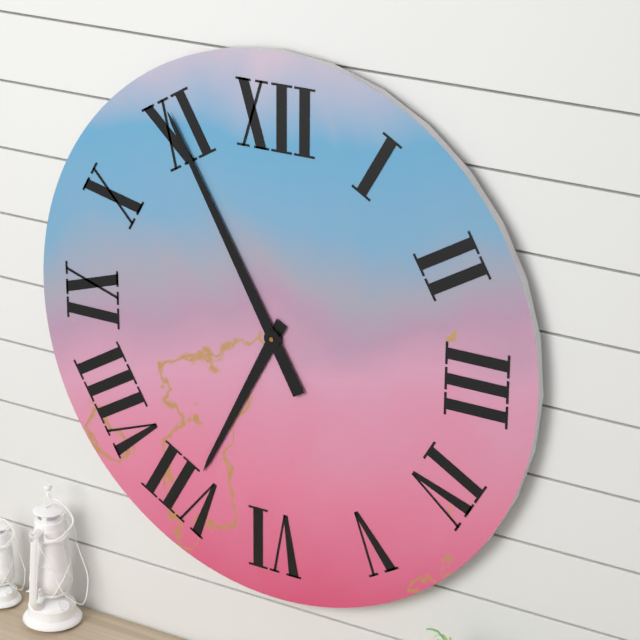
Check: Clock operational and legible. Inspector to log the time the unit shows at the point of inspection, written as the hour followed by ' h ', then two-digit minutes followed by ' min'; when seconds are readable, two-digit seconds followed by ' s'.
6 h 55 min
